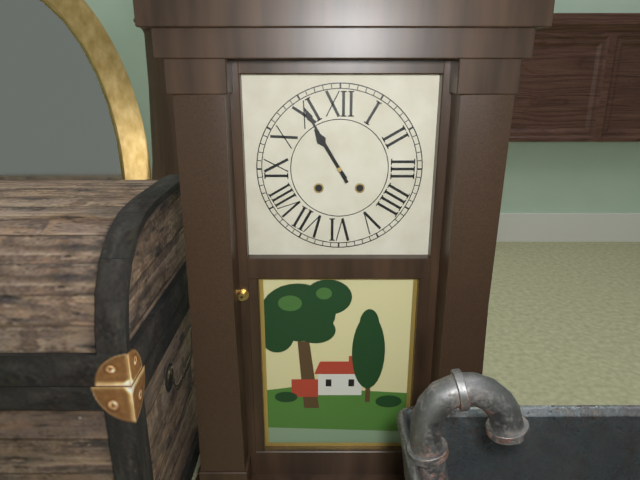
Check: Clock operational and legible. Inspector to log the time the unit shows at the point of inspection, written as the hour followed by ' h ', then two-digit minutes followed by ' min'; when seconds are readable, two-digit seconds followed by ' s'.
10 h 55 min
